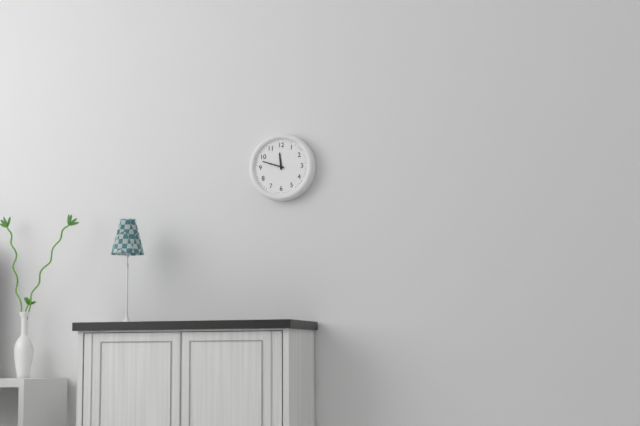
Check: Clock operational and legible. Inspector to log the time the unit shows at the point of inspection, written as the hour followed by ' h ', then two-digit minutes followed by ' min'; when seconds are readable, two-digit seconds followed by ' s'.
11 h 48 min
